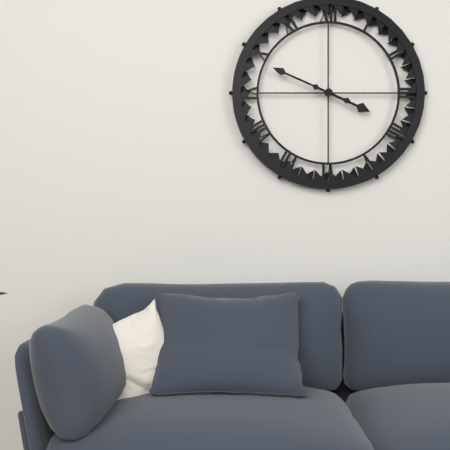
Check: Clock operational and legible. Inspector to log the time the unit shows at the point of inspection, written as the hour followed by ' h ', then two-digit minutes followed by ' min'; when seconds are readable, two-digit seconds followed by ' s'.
3 h 49 min
